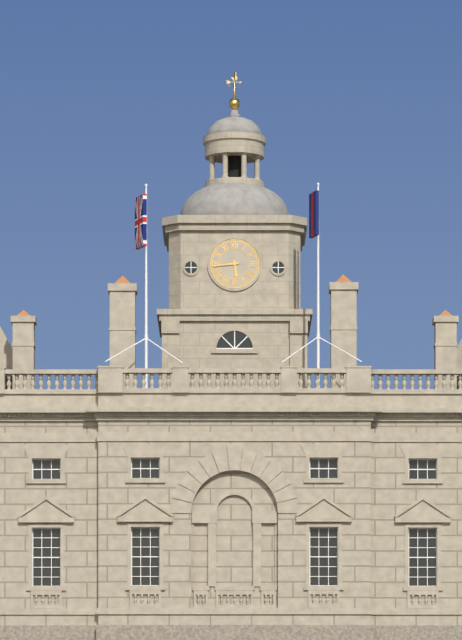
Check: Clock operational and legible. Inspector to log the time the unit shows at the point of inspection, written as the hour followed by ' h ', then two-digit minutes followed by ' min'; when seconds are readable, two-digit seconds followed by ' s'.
5 h 44 min
